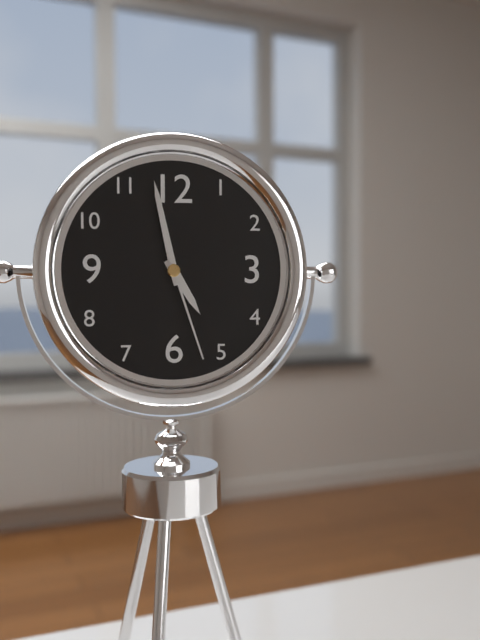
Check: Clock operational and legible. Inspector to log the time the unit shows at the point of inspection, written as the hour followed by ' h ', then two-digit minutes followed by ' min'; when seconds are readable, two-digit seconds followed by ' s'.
4 h 58 min 27 s
